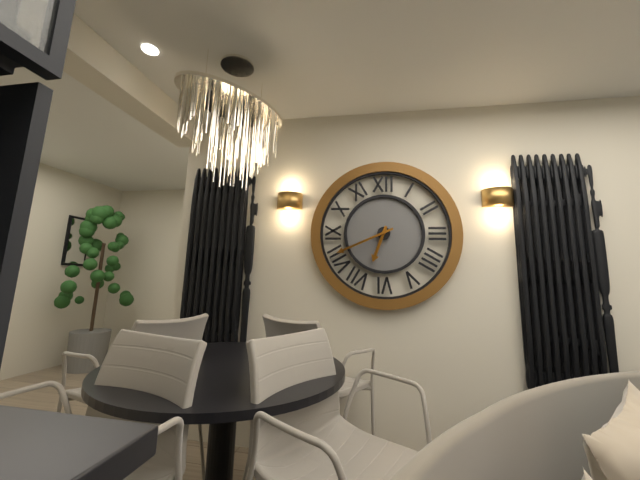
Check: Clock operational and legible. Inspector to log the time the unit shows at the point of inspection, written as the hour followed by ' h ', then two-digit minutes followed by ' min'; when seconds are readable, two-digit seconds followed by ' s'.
6 h 41 min
